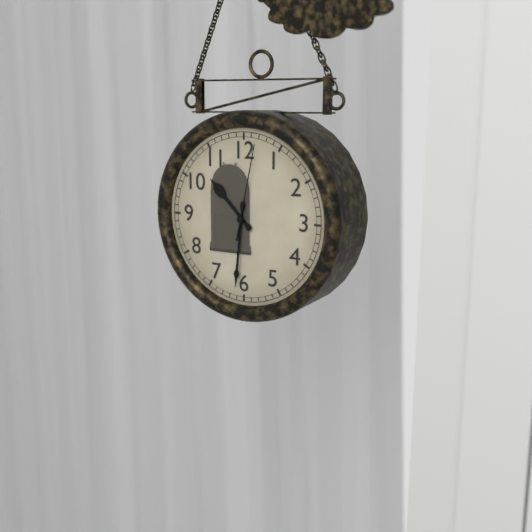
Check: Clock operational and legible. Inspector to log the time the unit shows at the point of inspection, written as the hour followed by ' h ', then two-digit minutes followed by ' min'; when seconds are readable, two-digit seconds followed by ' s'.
10 h 31 min 02 s
